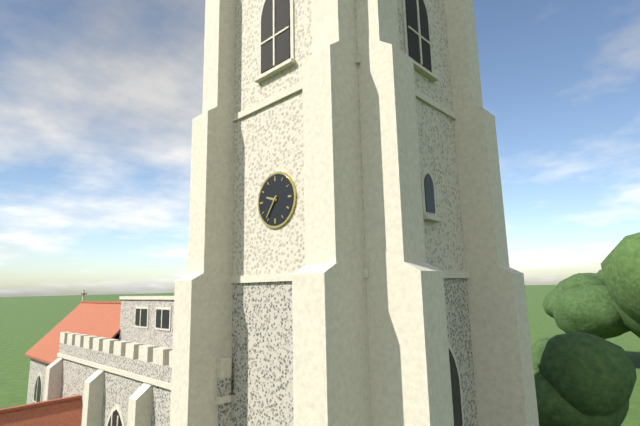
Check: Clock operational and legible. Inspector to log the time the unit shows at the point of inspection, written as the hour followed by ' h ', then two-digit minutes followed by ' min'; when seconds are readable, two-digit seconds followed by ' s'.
9 h 36 min
